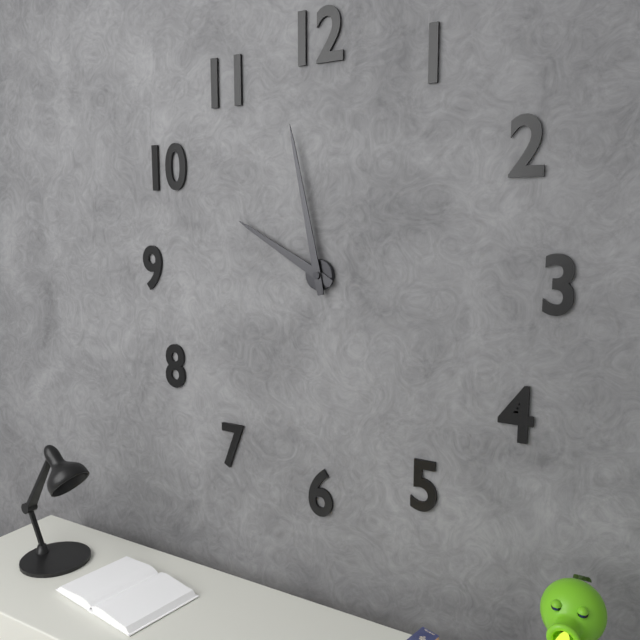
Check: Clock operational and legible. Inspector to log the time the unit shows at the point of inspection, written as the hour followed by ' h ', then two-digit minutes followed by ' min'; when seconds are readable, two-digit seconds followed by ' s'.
9 h 58 min
